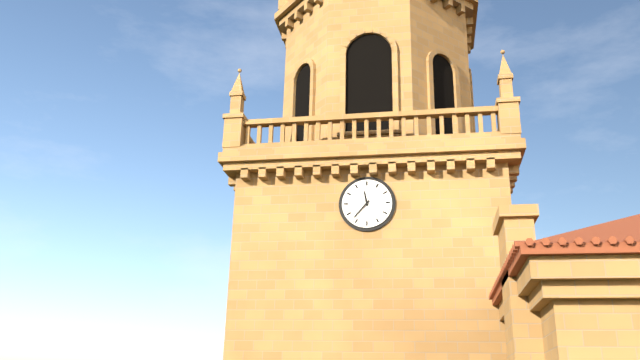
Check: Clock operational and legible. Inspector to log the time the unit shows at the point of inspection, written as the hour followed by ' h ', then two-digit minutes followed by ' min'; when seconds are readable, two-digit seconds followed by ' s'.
11 h 37 min
